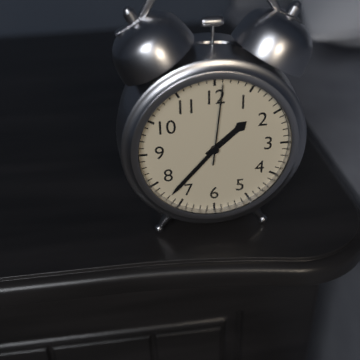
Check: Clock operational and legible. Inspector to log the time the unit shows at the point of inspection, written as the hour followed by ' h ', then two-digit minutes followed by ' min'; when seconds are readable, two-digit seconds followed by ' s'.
1 h 37 min 01 s
